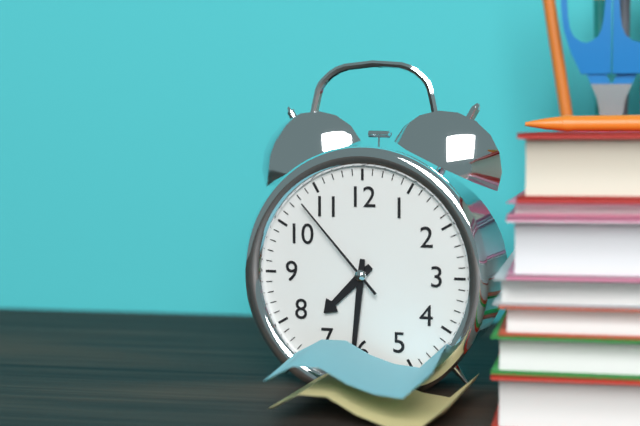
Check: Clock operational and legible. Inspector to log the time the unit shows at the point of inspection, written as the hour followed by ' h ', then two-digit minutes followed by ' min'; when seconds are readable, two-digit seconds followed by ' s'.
7 h 31 min 53 s
